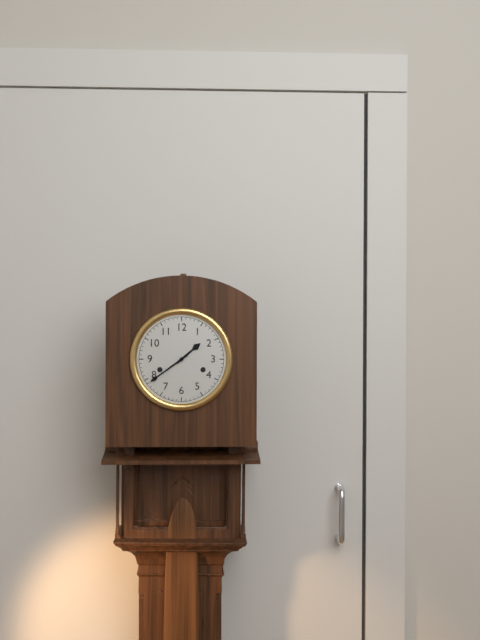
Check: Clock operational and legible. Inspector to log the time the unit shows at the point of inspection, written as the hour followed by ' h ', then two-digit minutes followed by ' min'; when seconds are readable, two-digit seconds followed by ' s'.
1 h 39 min
